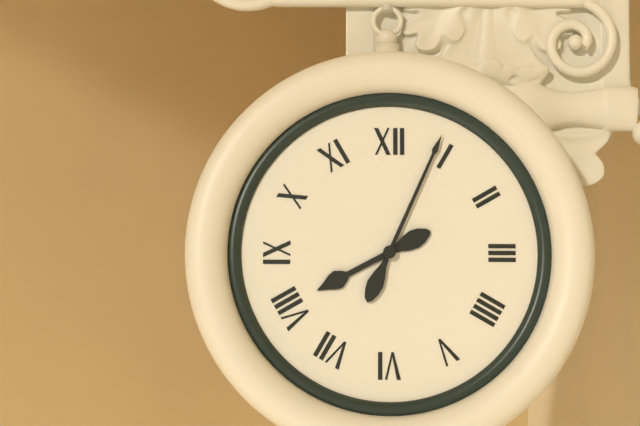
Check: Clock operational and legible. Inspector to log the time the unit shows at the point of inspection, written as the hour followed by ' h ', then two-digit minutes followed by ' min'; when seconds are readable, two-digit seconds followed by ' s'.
8 h 04 min
